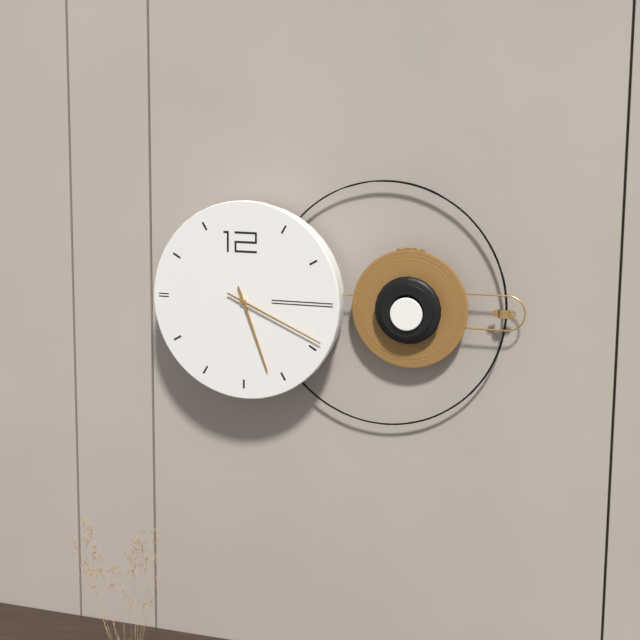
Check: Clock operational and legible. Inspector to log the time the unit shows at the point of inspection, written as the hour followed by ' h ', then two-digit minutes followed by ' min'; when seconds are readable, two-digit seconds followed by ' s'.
5 h 19 min
